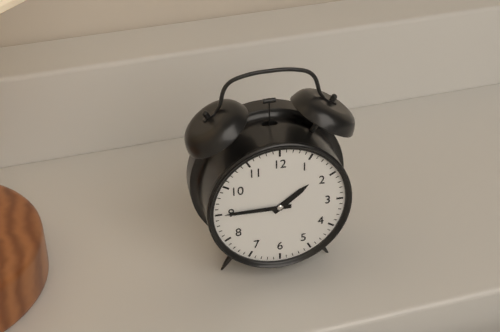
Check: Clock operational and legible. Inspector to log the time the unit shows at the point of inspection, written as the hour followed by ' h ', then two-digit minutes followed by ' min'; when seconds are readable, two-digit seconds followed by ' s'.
1 h 45 min
